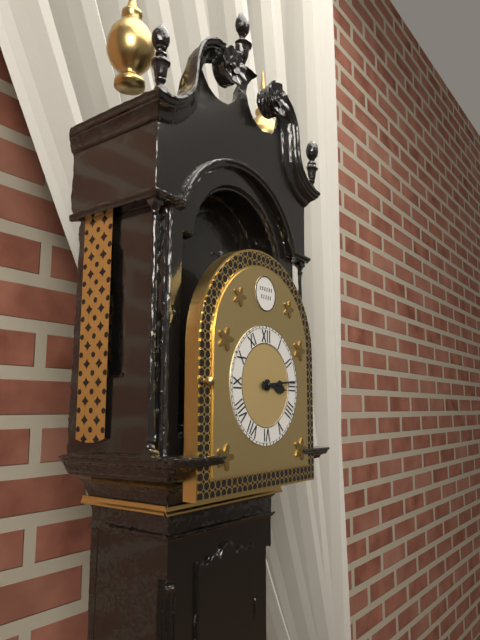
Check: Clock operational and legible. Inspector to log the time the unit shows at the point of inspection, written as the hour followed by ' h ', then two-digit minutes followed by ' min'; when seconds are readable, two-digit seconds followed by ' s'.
3 h 14 min
